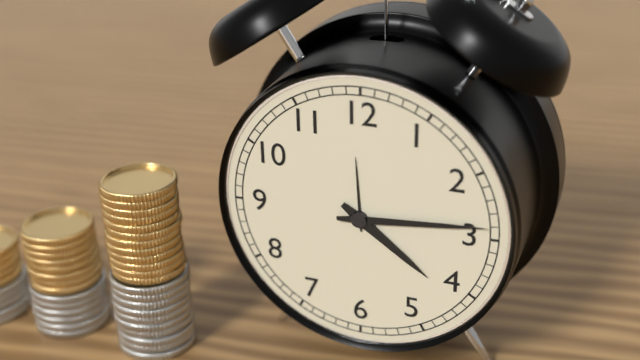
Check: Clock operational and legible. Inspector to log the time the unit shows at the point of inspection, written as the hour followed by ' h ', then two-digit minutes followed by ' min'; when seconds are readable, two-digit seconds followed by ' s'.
4 h 14 min
